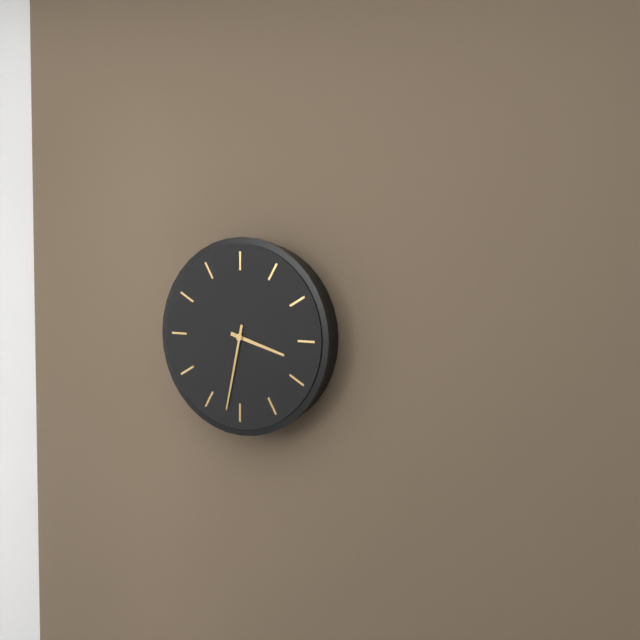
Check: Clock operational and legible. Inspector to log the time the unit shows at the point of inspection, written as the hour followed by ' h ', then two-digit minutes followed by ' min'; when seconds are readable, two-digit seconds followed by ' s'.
3 h 32 min
